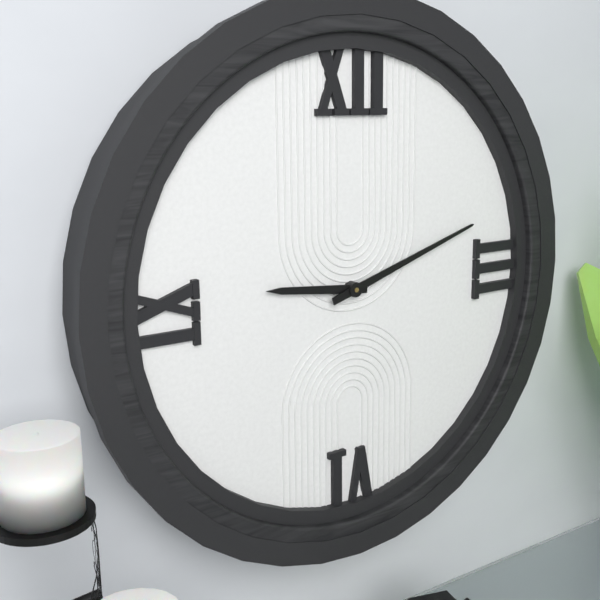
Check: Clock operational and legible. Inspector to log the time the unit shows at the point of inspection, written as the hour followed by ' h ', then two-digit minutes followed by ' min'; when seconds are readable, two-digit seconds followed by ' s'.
9 h 12 min
